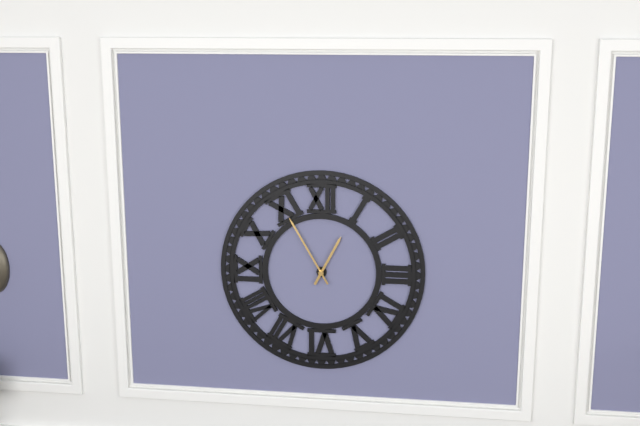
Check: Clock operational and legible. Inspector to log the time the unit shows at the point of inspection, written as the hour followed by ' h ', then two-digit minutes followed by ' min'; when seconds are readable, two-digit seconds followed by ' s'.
12 h 55 min
